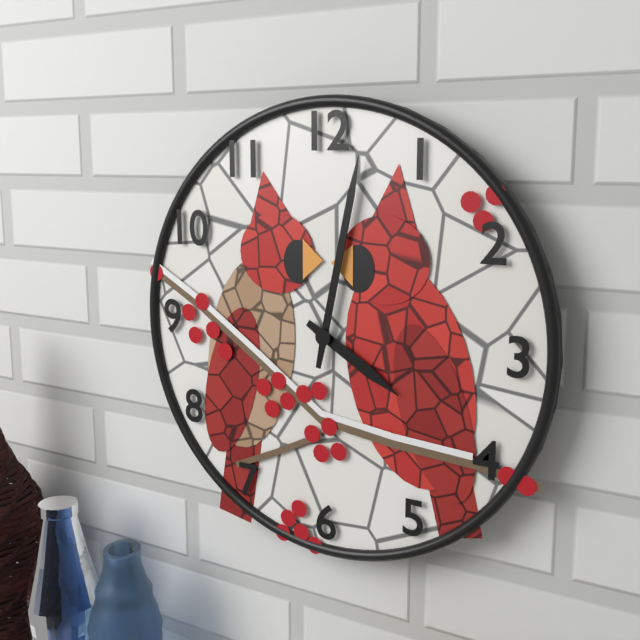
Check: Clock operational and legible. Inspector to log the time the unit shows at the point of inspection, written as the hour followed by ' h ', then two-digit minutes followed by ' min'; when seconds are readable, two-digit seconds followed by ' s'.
4 h 02 min
